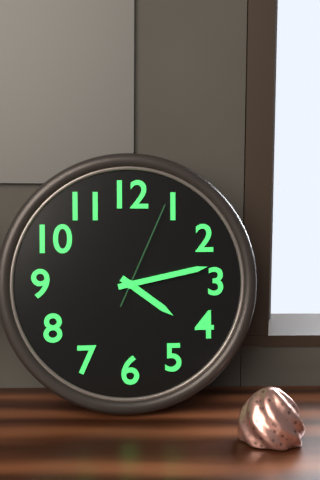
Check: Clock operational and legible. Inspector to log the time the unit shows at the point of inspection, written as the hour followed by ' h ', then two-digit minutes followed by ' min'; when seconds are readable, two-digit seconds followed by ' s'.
4 h 13 min 04 s
